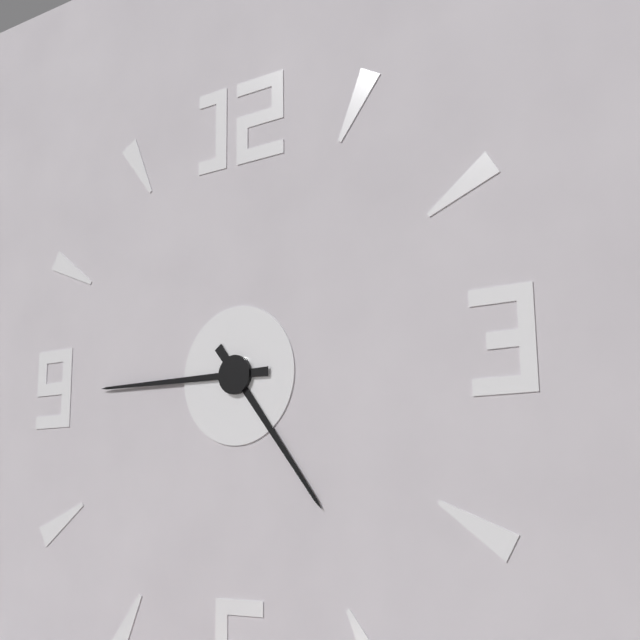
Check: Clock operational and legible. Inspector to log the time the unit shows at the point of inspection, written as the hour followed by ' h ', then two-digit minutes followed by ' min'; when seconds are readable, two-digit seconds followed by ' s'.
4 h 45 min
